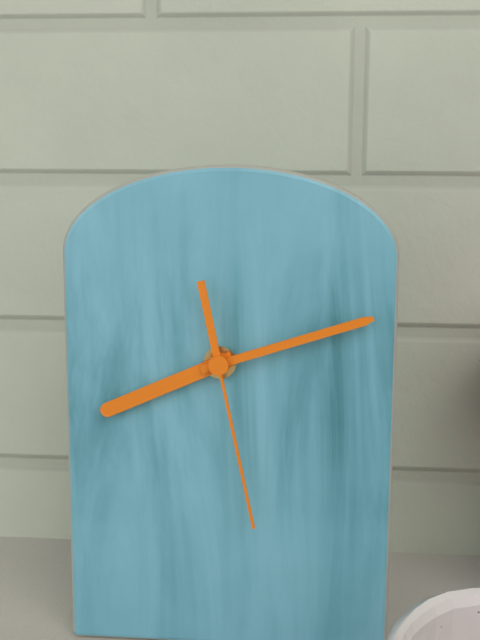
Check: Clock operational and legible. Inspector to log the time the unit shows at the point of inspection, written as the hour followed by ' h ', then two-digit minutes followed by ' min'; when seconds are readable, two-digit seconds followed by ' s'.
8 h 12 min 28 s
